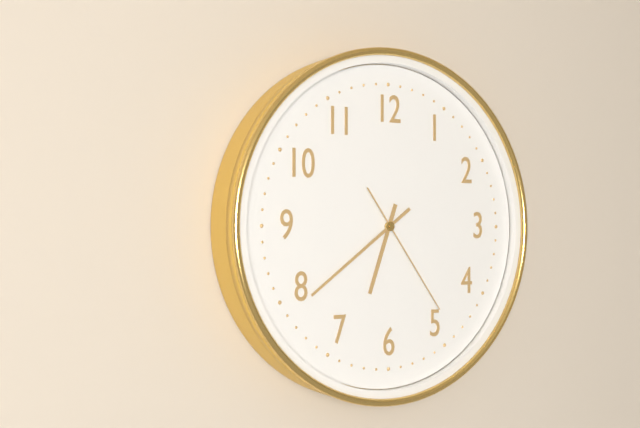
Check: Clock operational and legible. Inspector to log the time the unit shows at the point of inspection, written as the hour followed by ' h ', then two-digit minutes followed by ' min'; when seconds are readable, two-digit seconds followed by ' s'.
6 h 39 min 24 s
